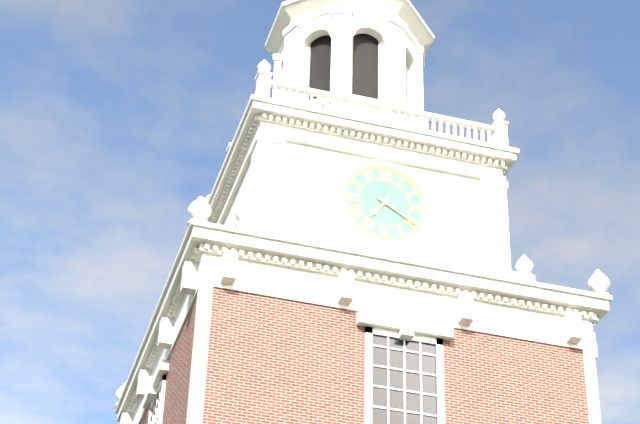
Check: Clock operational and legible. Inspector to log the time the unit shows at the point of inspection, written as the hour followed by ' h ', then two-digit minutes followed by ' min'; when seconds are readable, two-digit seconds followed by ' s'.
7 h 20 min
